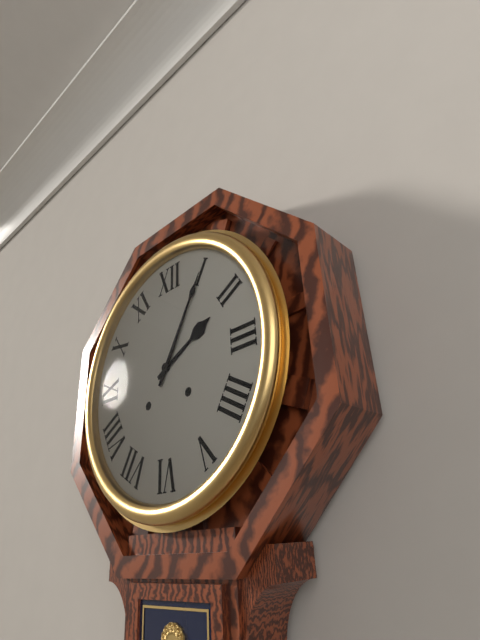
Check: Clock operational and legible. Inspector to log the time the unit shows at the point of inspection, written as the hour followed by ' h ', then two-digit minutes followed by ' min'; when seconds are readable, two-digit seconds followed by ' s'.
2 h 05 min
